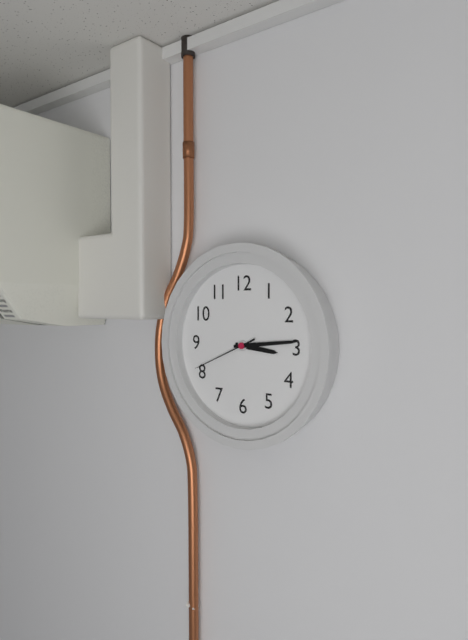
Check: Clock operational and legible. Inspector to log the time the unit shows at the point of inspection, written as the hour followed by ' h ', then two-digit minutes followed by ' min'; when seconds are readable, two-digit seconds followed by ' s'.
3 h 14 min 41 s
